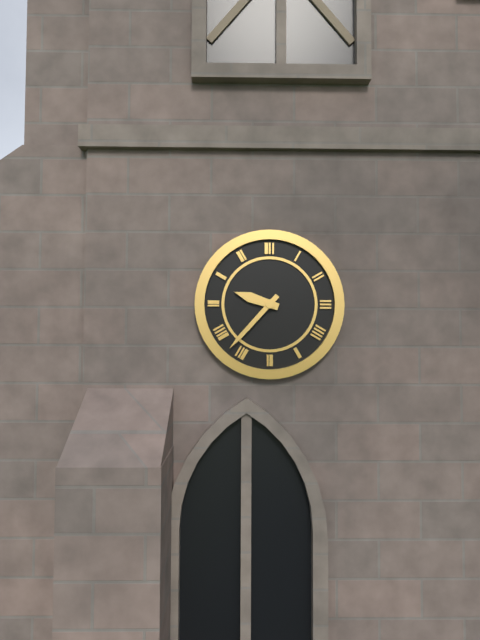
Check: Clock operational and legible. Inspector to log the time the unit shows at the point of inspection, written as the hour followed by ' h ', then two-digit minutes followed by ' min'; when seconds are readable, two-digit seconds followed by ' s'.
9 h 37 min
